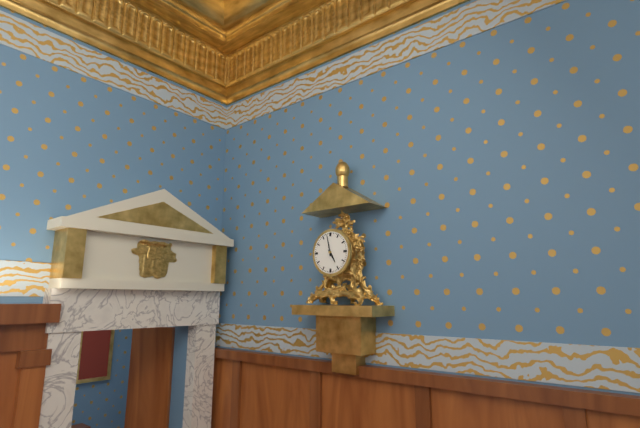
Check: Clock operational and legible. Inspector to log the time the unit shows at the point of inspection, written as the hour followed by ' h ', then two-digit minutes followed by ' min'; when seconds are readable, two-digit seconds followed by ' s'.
4 h 58 min
